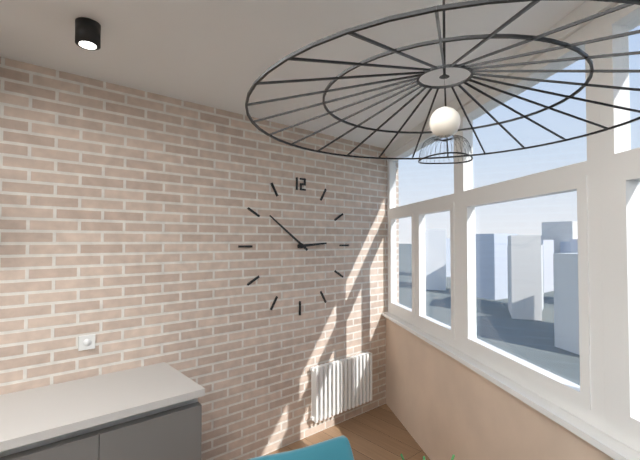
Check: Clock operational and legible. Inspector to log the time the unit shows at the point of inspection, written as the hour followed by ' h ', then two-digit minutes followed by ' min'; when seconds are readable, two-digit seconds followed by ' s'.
2 h 51 min
